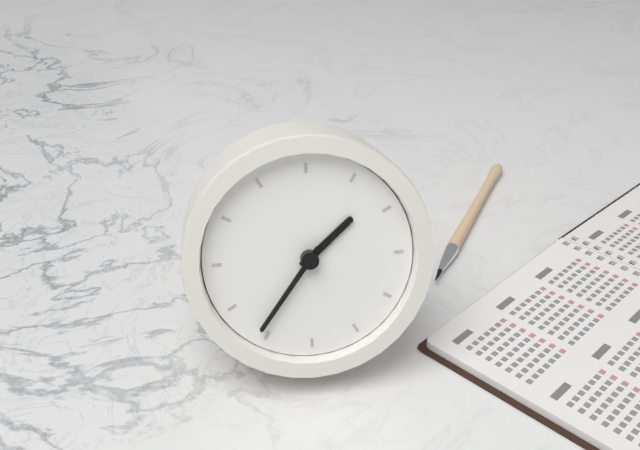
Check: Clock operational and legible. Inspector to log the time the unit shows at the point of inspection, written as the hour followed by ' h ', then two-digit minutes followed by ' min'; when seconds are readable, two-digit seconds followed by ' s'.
1 h 36 min
